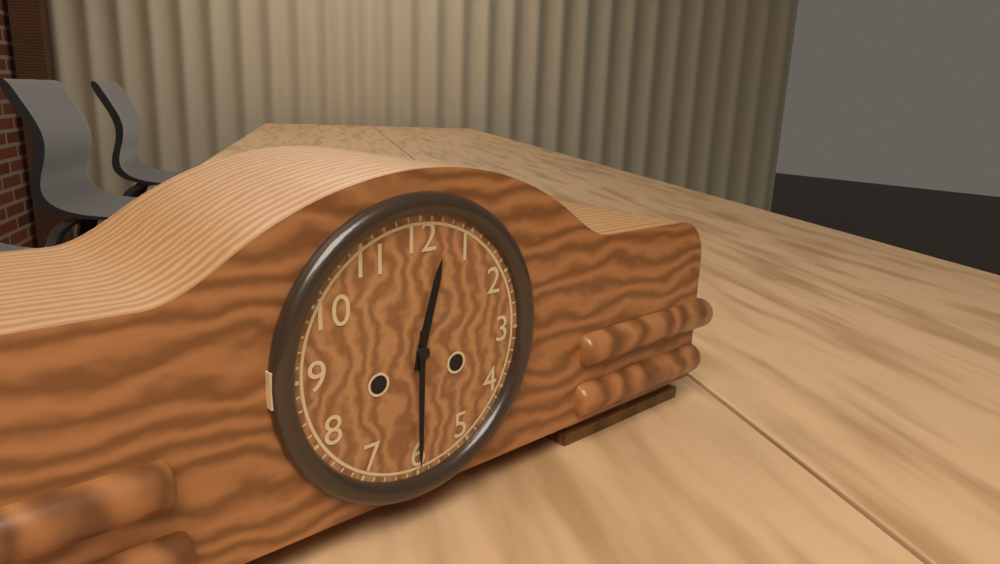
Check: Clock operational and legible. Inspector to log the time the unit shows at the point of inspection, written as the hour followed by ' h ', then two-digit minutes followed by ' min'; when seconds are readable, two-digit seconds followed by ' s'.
12 h 30 min
